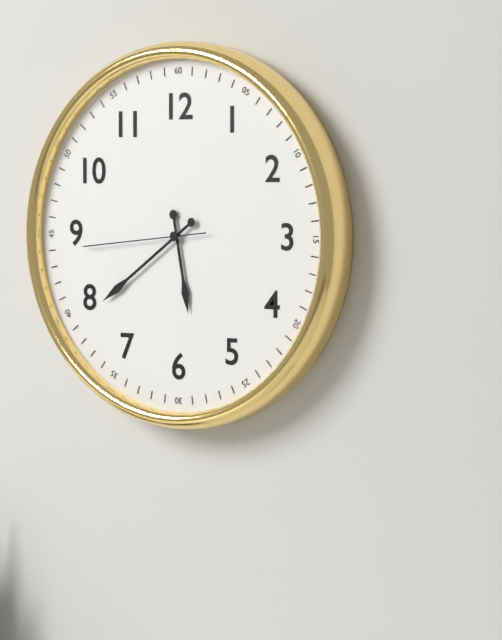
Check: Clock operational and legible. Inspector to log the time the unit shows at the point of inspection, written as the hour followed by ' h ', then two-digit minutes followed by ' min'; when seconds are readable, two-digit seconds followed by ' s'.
5 h 39 min 44 s
